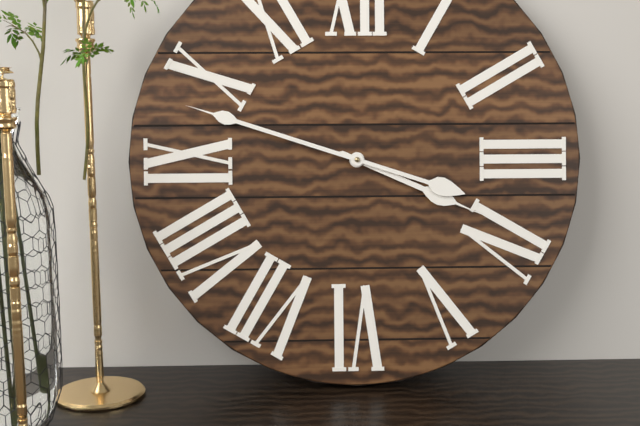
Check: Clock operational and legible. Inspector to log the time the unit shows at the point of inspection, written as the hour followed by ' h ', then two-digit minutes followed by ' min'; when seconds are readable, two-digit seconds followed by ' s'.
3 h 48 min
